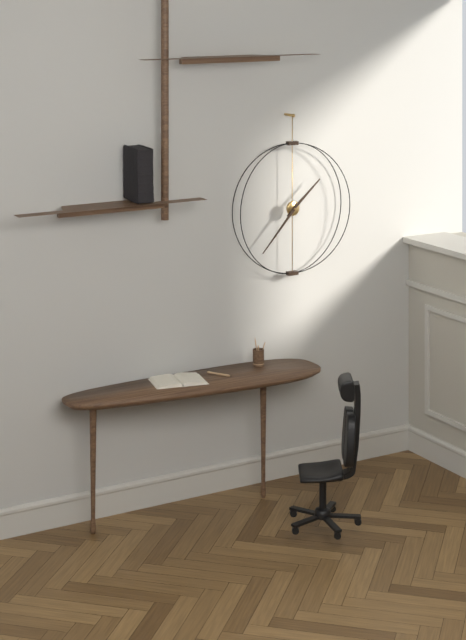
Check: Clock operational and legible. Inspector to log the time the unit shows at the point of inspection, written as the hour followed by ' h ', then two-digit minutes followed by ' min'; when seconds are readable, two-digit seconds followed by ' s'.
1 h 37 min
